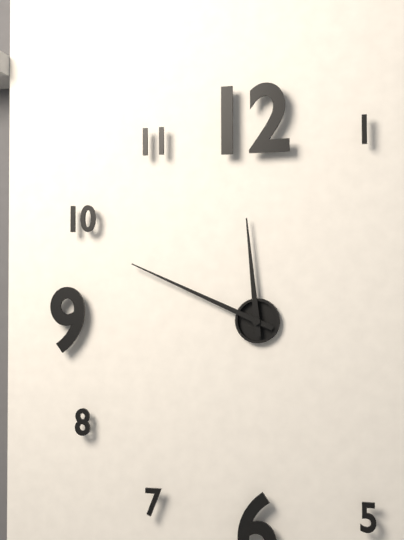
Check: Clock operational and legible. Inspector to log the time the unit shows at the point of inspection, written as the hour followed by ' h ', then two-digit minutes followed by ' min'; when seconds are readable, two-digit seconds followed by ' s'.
11 h 49 min
